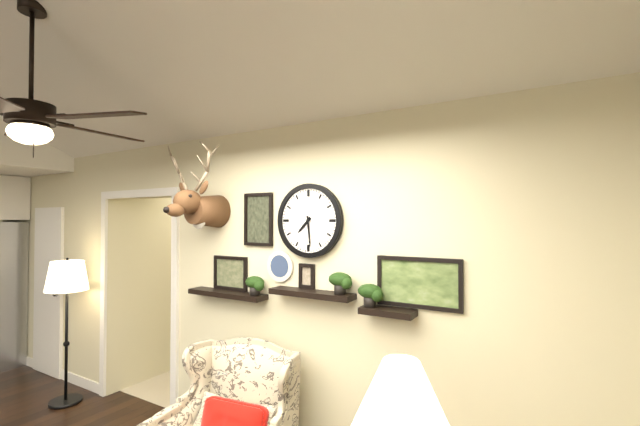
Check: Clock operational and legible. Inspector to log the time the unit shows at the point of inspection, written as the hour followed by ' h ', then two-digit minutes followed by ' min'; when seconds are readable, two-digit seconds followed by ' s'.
7 h 29 min
